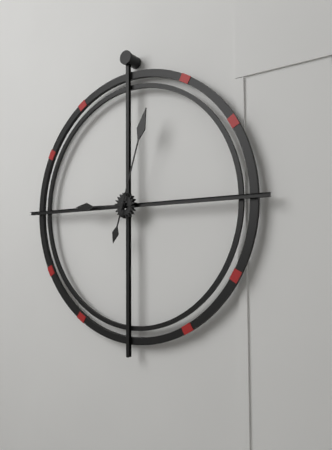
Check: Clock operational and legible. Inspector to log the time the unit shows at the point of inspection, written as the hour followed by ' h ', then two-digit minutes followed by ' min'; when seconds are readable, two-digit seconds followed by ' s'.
9 h 03 min
